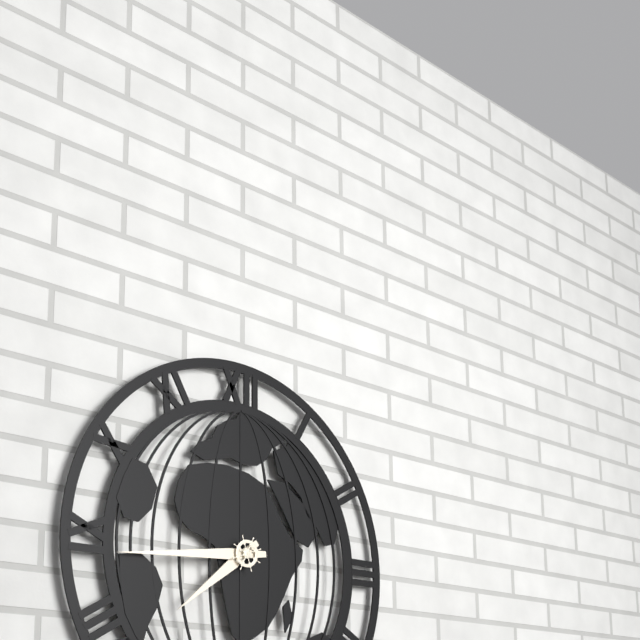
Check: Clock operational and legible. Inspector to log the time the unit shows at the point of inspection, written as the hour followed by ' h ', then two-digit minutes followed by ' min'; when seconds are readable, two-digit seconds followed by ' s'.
7 h 44 min
